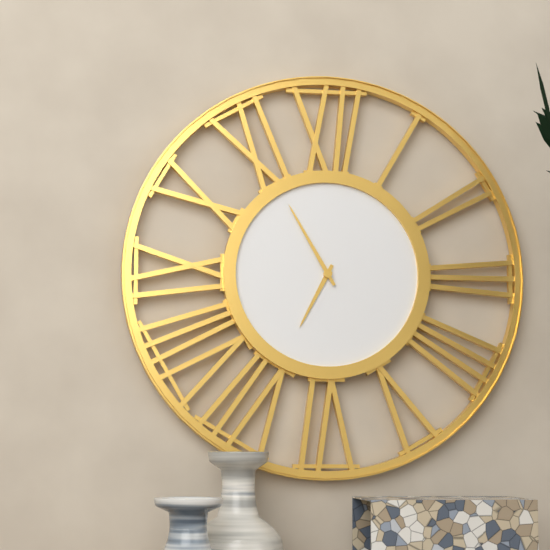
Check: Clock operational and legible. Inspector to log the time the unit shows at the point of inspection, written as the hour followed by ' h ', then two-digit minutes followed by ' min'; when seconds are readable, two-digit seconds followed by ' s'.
6 h 55 min
